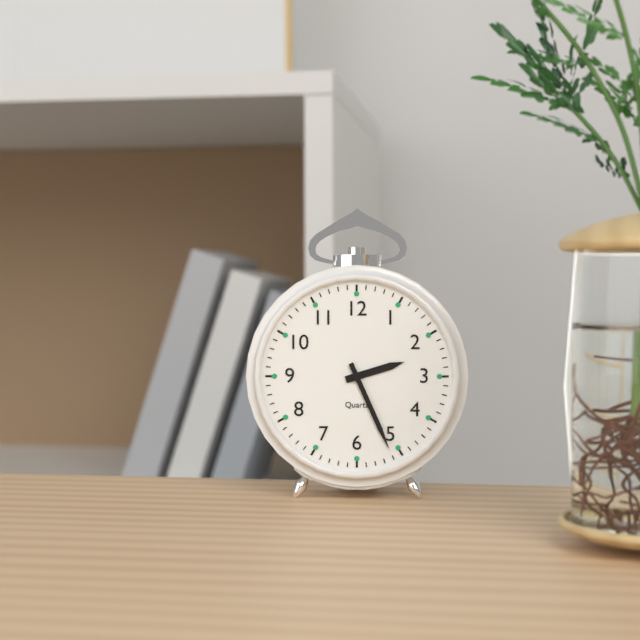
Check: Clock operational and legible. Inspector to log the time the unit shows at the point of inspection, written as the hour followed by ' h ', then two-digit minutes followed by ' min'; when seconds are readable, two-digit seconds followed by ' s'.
2 h 26 min
